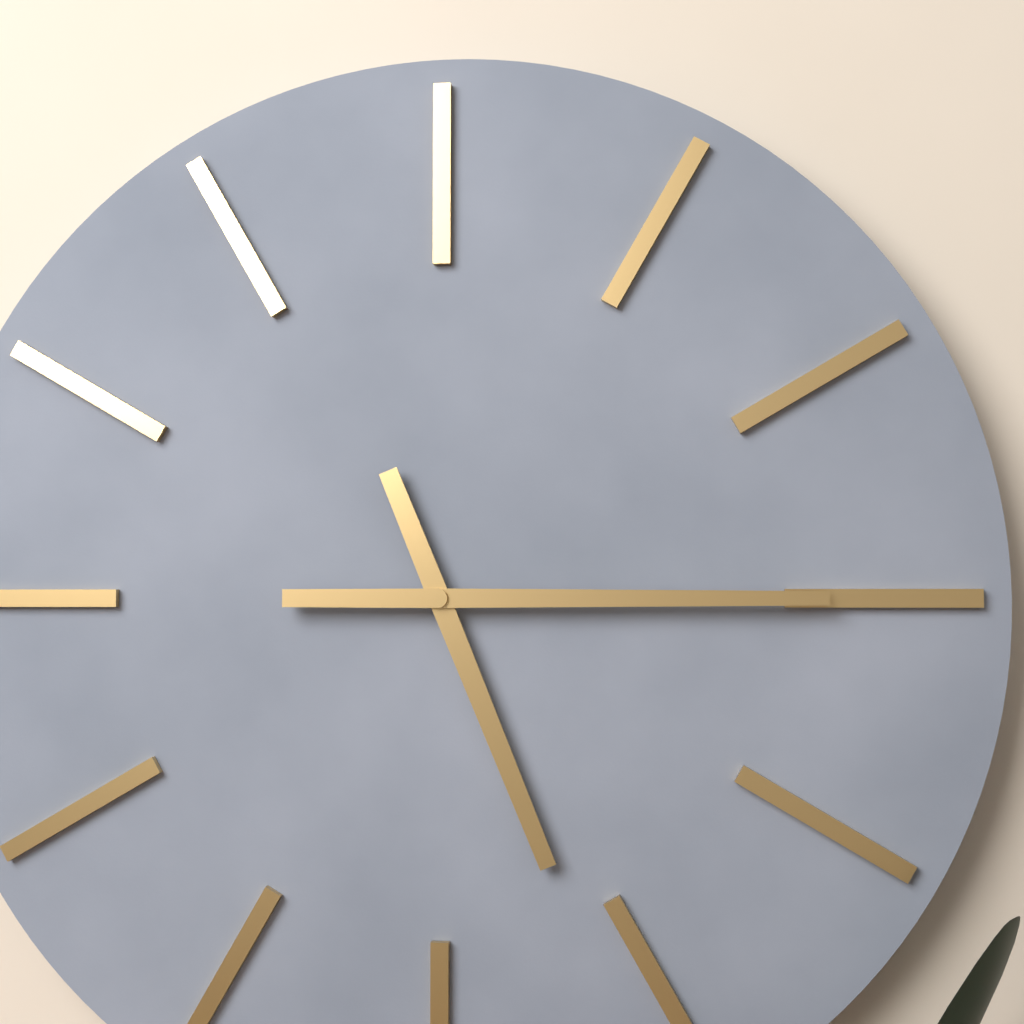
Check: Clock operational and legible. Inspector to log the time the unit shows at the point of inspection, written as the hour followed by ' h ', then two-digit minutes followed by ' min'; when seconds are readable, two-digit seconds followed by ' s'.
5 h 15 min
